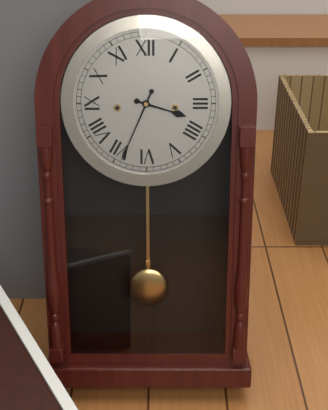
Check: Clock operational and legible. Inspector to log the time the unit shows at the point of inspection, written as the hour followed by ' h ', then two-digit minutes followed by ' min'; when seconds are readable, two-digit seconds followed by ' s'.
3 h 34 min
